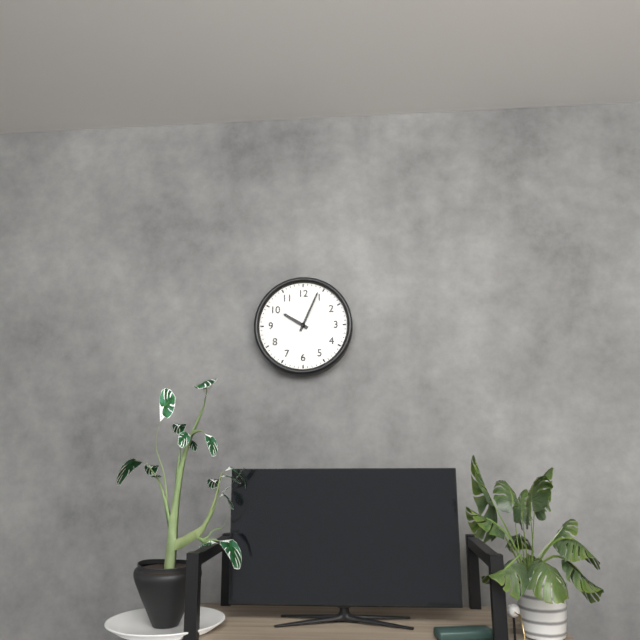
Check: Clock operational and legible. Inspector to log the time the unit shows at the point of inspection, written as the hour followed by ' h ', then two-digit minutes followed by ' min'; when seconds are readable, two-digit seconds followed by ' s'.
10 h 04 min
